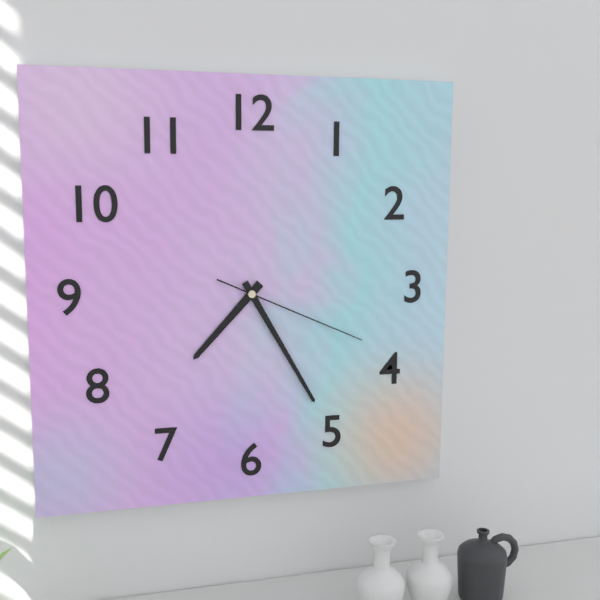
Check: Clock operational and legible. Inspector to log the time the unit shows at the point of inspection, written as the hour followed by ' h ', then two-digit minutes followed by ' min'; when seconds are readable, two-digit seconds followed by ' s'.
7 h 25 min 19 s
